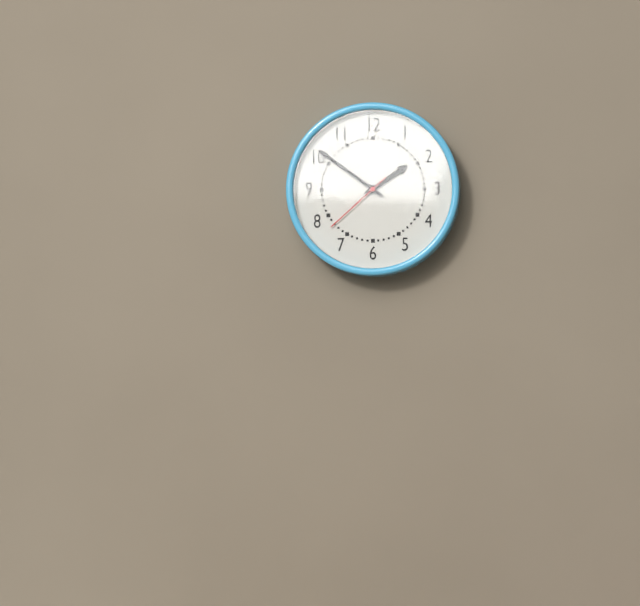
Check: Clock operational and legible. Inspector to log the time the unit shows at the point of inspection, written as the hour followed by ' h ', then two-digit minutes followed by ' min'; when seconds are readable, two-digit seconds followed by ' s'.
1 h 51 min 38 s
